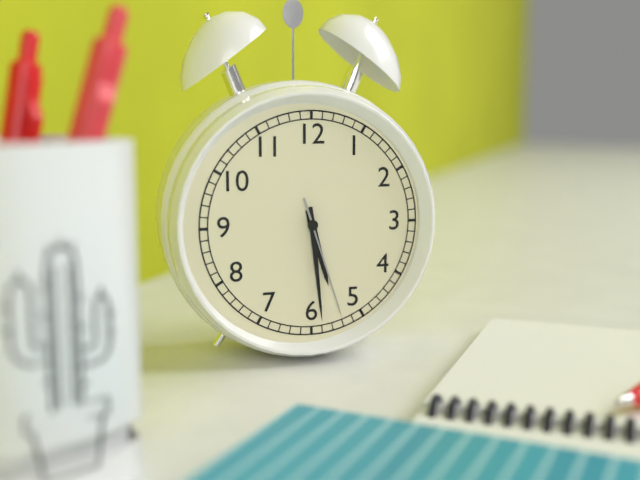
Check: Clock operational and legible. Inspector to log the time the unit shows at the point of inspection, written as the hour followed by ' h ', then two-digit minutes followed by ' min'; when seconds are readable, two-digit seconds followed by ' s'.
5 h 29 min 27 s
